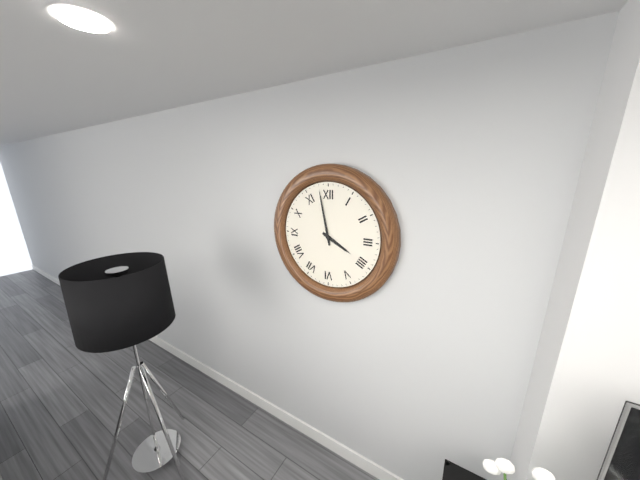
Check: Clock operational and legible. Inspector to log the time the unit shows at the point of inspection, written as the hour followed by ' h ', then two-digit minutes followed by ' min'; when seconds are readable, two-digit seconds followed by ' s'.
3 h 58 min
